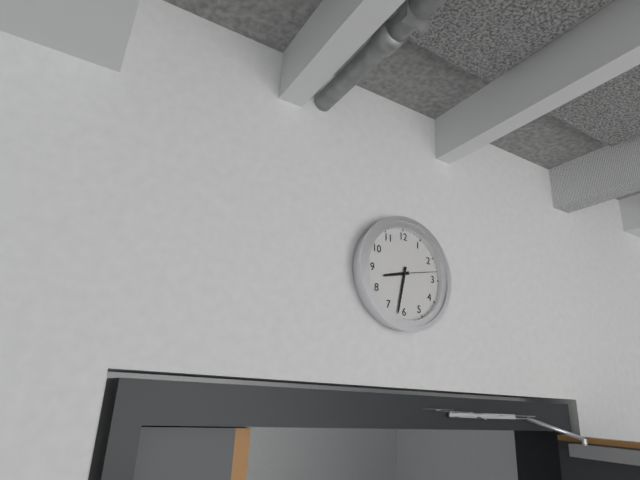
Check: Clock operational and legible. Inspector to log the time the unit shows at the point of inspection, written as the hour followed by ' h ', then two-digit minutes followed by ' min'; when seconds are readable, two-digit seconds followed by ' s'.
8 h 32 min
